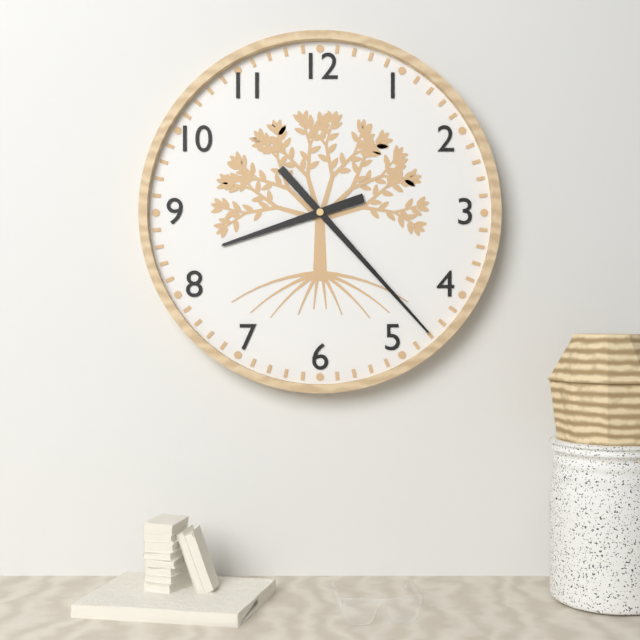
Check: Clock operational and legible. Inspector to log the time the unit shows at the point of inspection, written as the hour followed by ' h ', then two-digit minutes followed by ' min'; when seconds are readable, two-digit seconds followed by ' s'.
8 h 23 min
